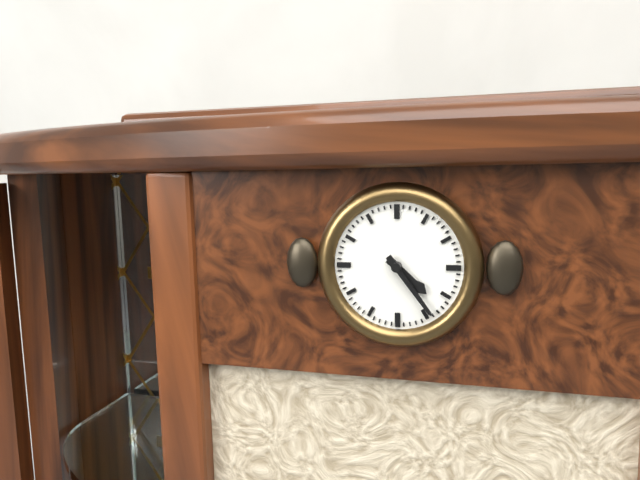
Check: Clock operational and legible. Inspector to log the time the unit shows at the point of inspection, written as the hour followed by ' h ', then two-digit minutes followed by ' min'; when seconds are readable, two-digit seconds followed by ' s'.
4 h 24 min
